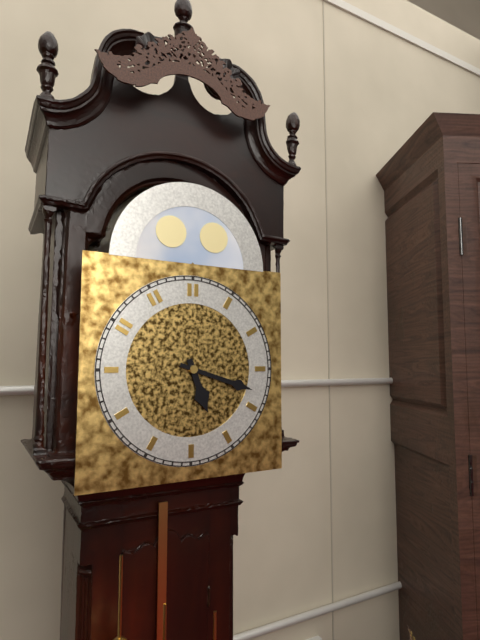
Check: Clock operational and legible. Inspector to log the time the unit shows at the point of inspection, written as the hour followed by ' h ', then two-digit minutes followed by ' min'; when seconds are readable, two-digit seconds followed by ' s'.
5 h 18 min
